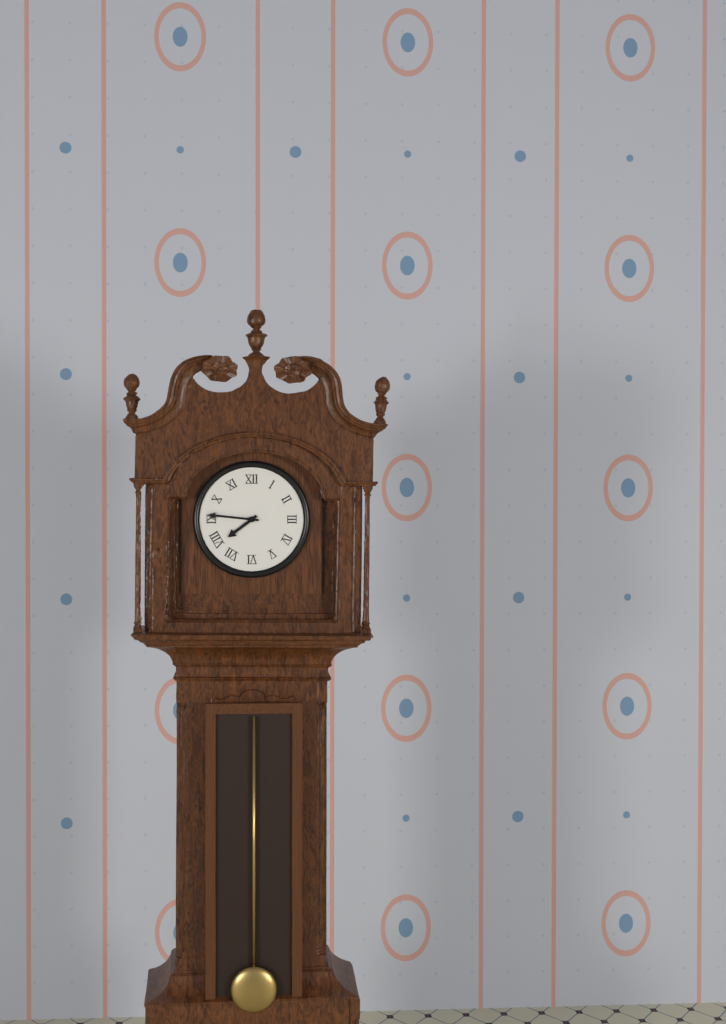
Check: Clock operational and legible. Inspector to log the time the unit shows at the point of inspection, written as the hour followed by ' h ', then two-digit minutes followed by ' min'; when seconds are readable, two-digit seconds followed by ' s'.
7 h 46 min
